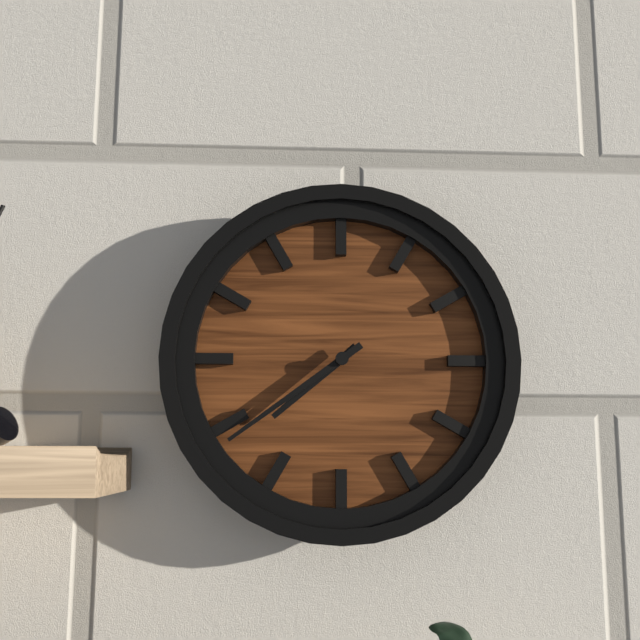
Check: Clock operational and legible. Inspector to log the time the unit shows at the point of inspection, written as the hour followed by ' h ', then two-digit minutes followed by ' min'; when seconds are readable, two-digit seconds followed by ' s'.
7 h 39 min
